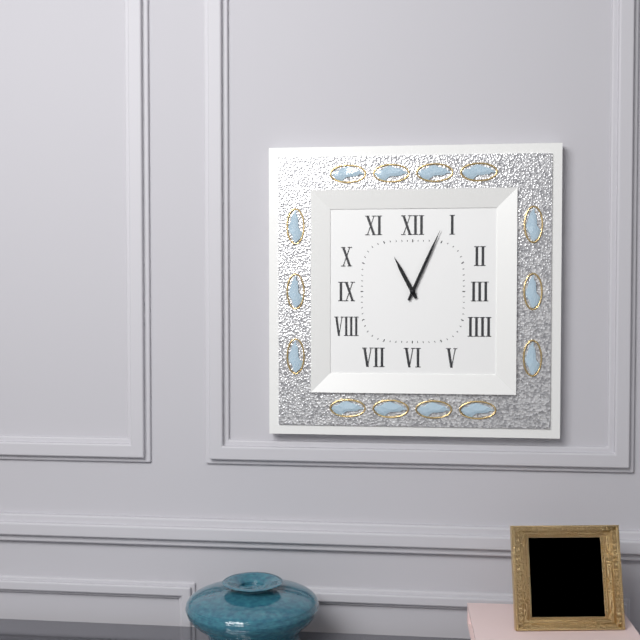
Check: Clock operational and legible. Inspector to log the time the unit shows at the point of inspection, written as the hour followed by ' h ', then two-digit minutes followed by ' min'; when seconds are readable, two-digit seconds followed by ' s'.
11 h 04 min
